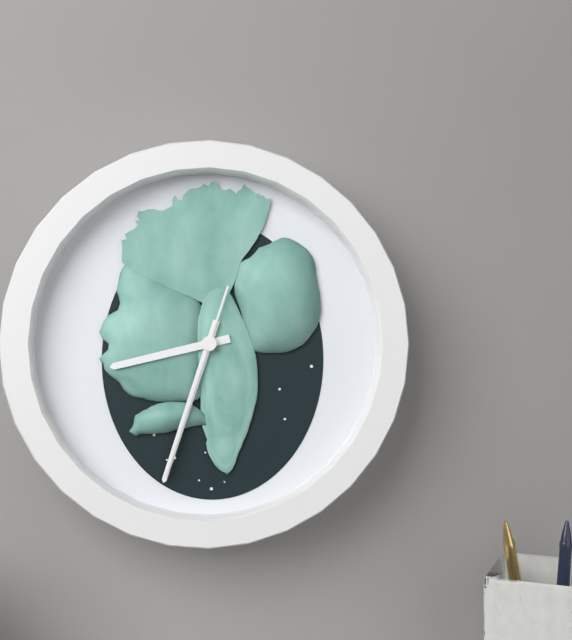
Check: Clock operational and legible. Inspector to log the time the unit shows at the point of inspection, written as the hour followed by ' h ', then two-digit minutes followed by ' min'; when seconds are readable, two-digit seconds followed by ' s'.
8 h 33 min 33 s
